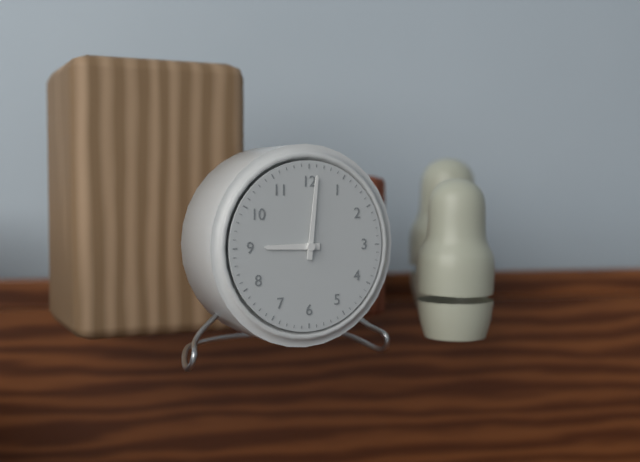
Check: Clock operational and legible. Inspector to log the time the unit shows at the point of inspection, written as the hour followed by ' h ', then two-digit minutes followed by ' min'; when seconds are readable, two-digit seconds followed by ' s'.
9 h 01 min
